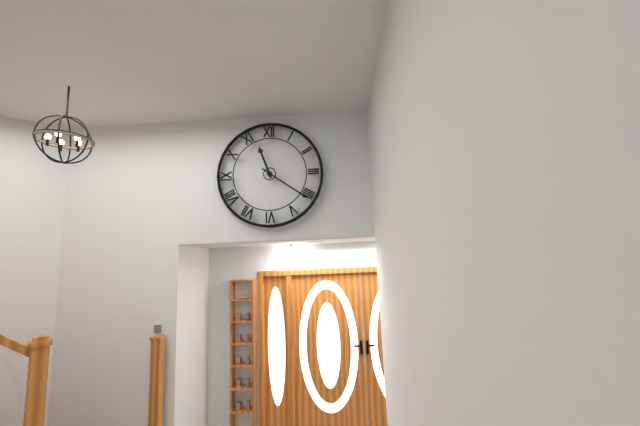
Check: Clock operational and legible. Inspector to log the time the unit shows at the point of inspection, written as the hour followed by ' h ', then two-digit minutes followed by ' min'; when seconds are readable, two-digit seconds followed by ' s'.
11 h 21 min
